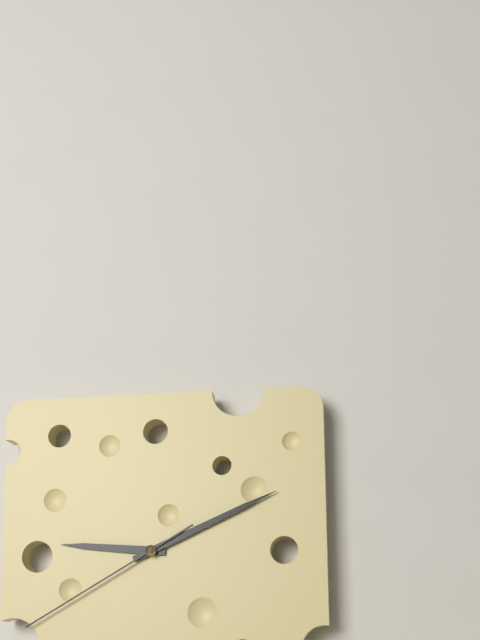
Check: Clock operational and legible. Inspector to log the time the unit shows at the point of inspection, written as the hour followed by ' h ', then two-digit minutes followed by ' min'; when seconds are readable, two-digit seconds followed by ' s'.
9 h 11 min 40 s
